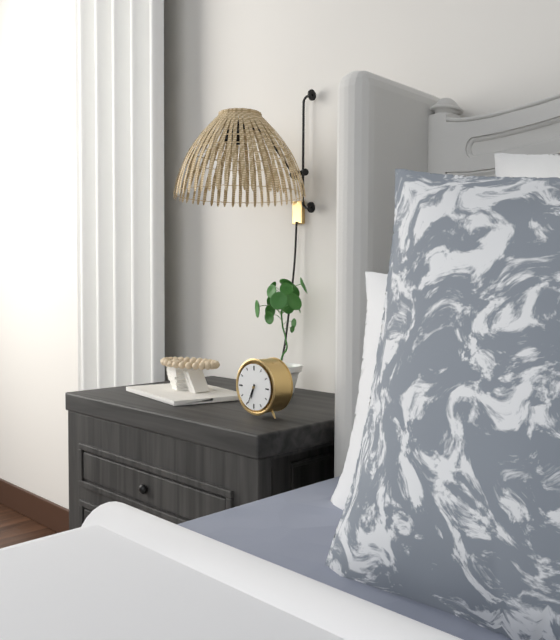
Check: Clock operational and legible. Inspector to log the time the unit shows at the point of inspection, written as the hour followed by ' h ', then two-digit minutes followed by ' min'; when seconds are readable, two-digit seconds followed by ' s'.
6 h 34 min
